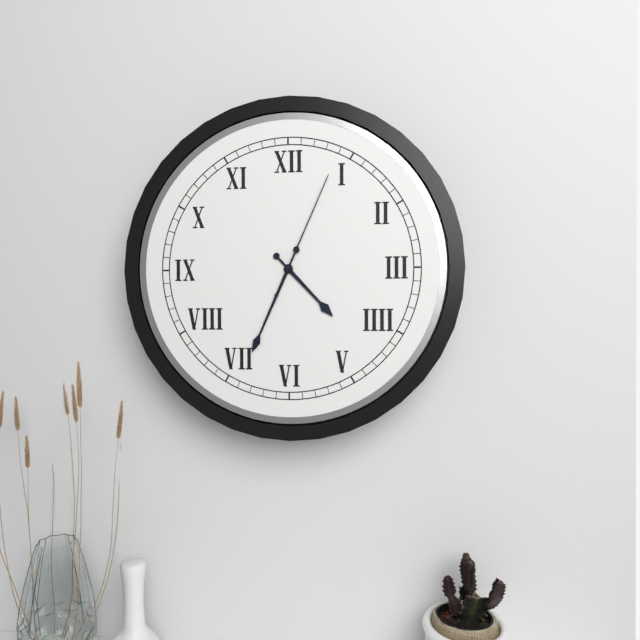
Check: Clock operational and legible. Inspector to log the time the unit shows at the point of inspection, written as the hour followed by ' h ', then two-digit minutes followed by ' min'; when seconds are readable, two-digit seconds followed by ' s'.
4 h 34 min 04 s
